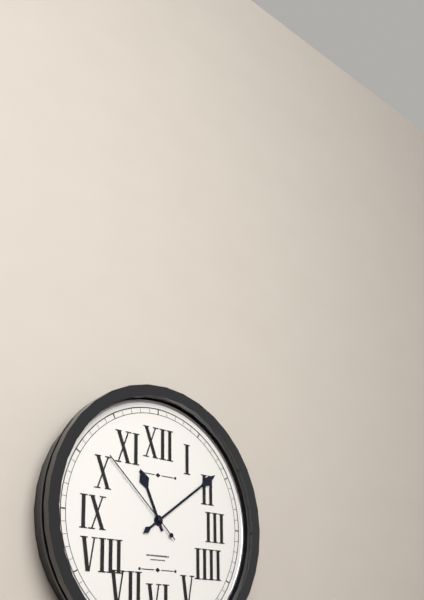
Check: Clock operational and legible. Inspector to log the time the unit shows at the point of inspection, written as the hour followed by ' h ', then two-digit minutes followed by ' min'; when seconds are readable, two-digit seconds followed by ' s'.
11 h 09 min 52 s
